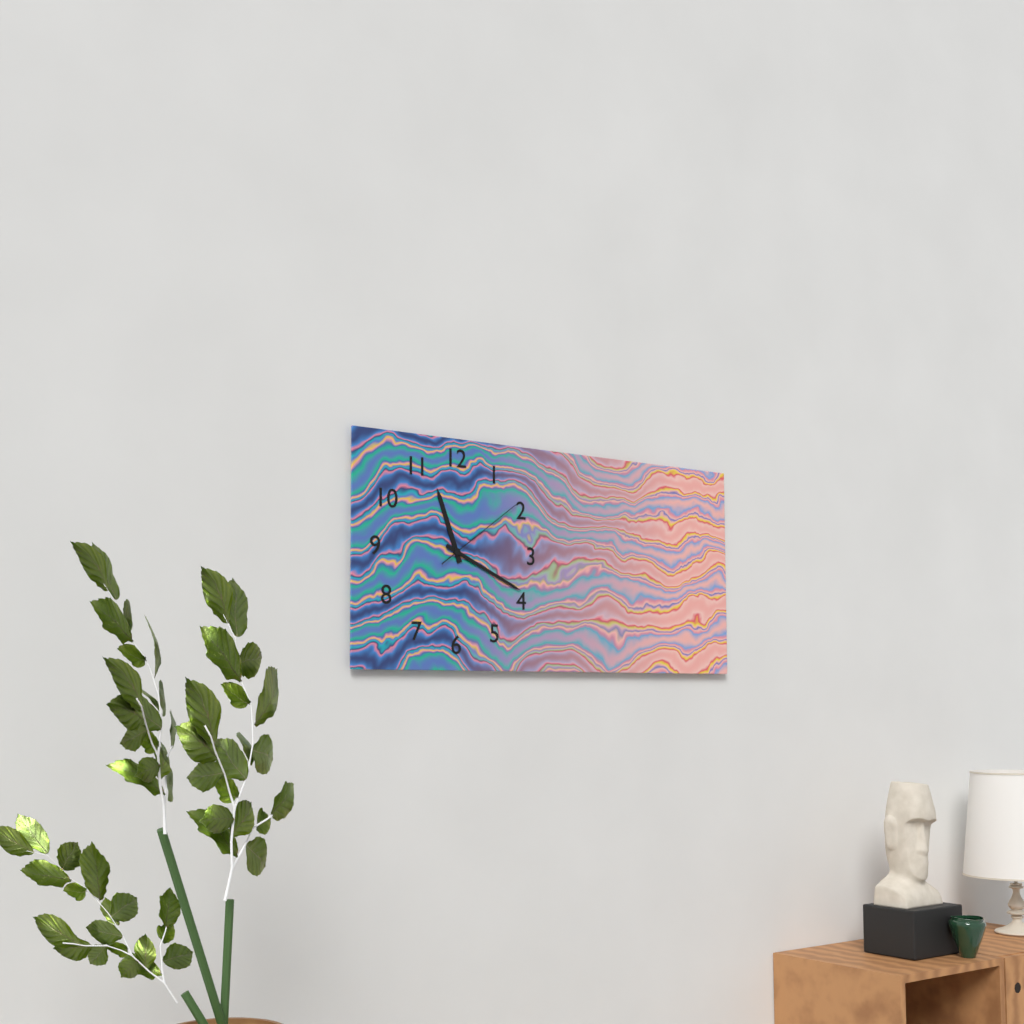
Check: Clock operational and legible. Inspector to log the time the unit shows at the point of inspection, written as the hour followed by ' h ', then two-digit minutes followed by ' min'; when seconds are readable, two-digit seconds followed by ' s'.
11 h 19 min 09 s
